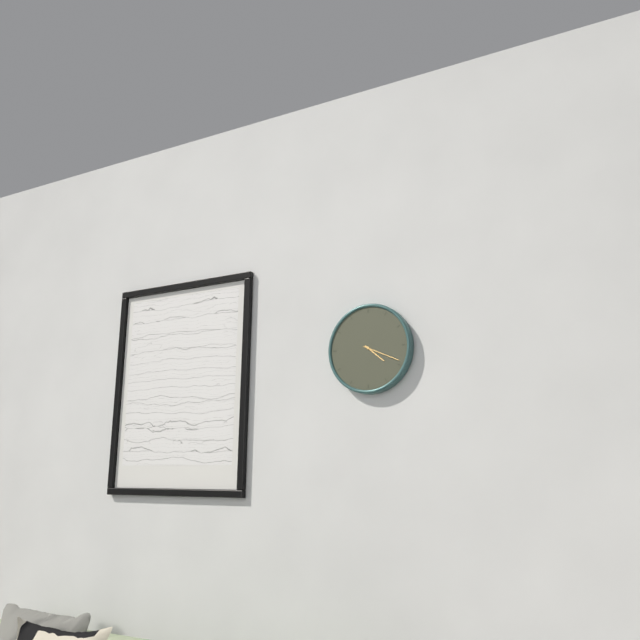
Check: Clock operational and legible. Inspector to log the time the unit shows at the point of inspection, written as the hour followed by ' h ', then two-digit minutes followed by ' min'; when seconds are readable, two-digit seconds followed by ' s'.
4 h 19 min
